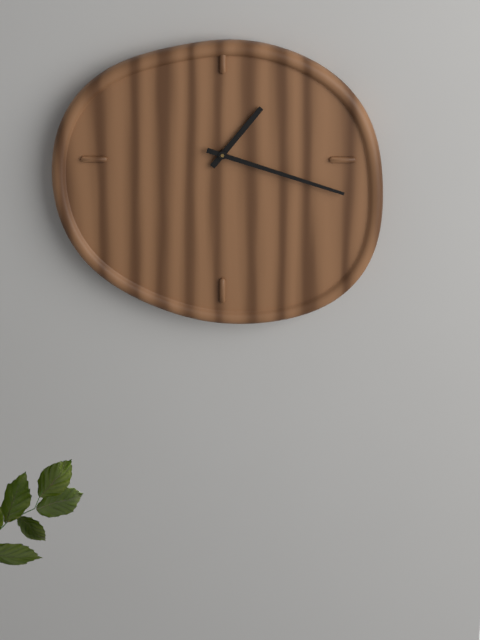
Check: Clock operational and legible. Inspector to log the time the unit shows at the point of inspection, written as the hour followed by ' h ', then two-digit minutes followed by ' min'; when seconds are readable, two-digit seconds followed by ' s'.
1 h 18 min
